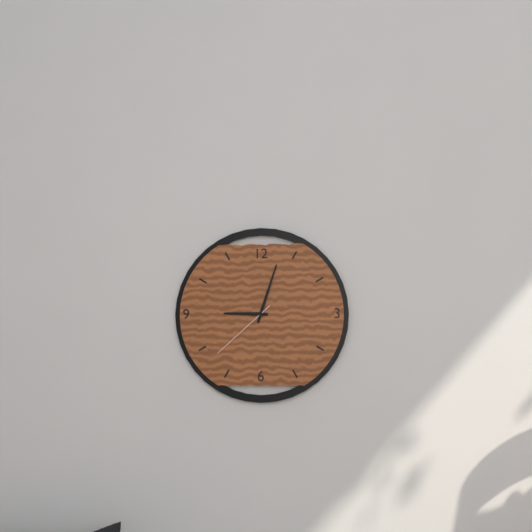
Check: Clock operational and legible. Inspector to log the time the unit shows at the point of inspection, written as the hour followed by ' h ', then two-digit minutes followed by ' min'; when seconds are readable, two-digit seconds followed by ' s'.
9 h 03 min 38 s
